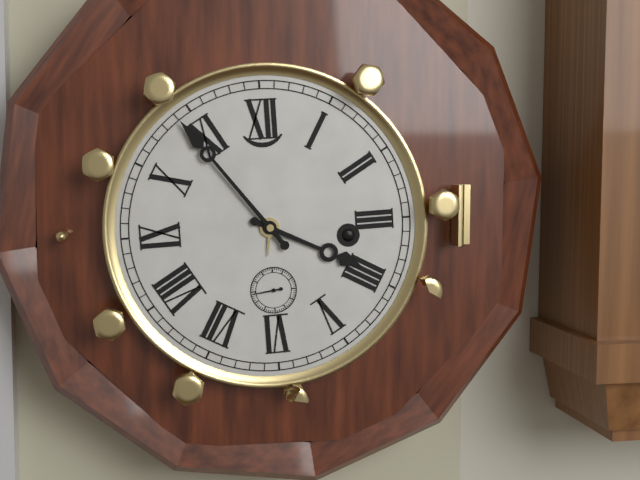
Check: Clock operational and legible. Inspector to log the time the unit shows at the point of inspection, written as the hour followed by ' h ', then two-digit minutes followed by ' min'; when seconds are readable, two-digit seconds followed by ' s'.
3 h 54 min
